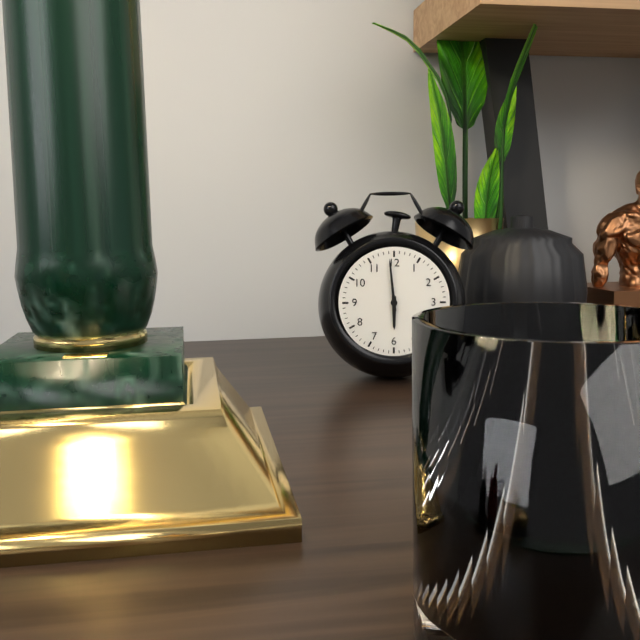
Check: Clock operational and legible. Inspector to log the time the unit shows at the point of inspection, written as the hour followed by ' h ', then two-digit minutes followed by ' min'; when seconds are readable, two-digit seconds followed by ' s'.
5 h 59 min
